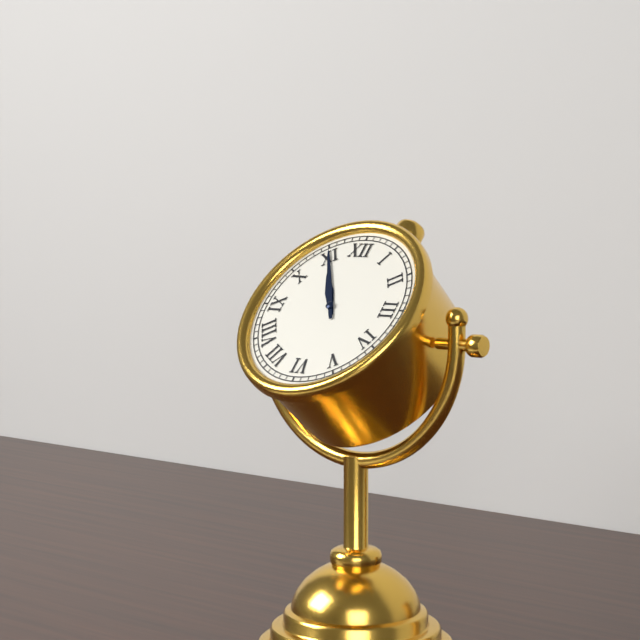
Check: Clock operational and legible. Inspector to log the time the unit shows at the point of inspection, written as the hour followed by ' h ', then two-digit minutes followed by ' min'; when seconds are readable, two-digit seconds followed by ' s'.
10 h 55 min
